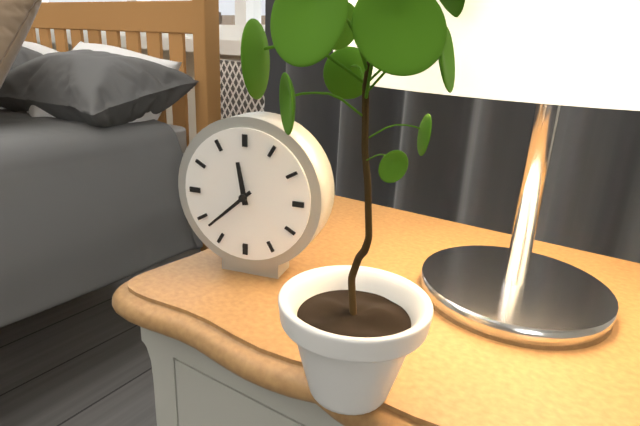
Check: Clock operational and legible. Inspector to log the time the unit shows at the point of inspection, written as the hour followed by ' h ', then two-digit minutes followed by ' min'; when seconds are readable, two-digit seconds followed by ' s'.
11 h 38 min
